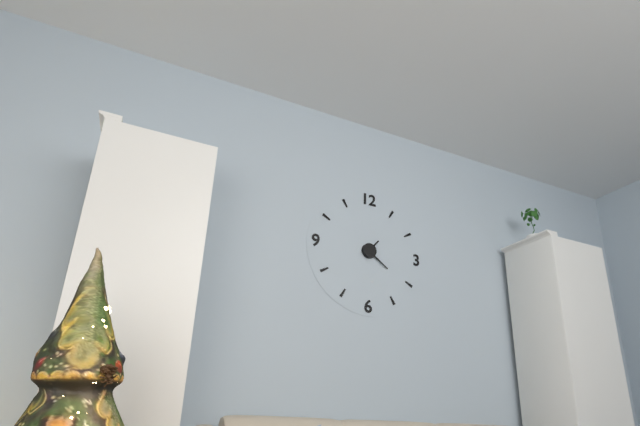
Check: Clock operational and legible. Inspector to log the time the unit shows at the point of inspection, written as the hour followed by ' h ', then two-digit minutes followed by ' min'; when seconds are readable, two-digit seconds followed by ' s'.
1 h 21 min
